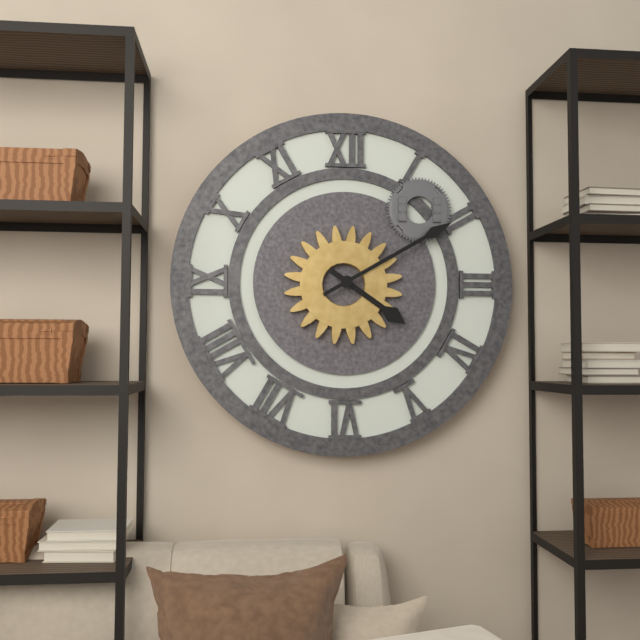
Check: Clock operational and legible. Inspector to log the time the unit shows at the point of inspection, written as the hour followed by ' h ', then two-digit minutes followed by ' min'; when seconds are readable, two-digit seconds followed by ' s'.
4 h 10 min
